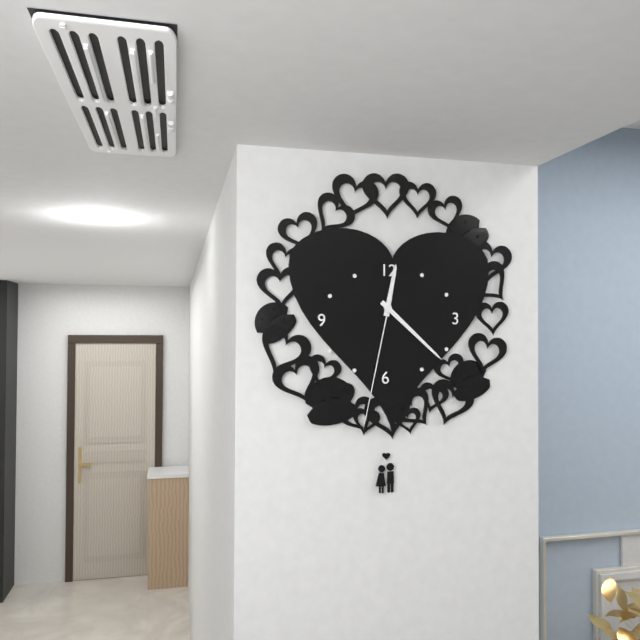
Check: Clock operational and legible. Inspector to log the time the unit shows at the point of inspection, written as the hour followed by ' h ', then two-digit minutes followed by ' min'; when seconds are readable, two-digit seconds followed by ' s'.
12 h 22 min 32 s
